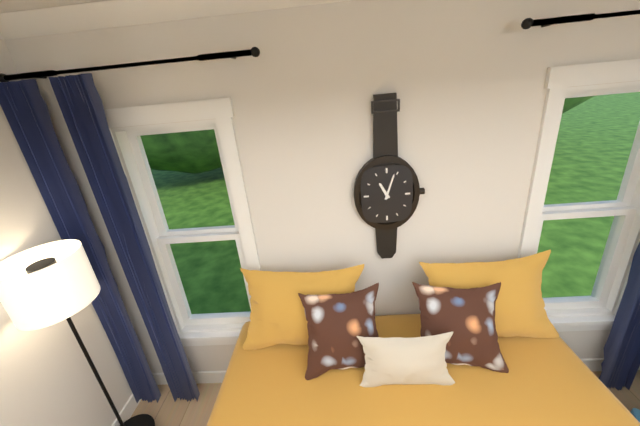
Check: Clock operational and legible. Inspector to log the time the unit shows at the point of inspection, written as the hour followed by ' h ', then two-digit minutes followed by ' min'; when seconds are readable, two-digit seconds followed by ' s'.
11 h 03 min
